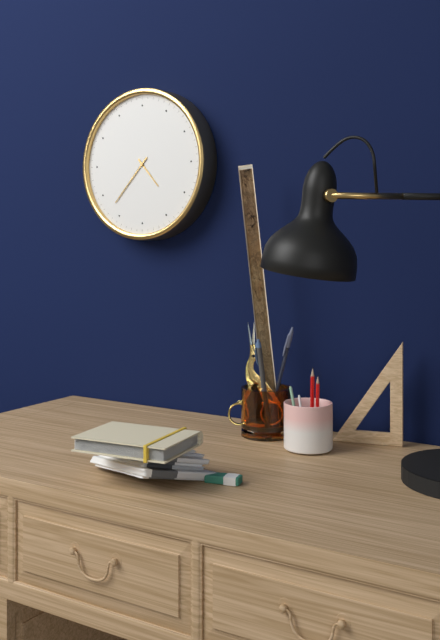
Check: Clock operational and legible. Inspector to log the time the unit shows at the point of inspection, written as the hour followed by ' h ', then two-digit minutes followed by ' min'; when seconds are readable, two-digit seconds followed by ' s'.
4 h 37 min
